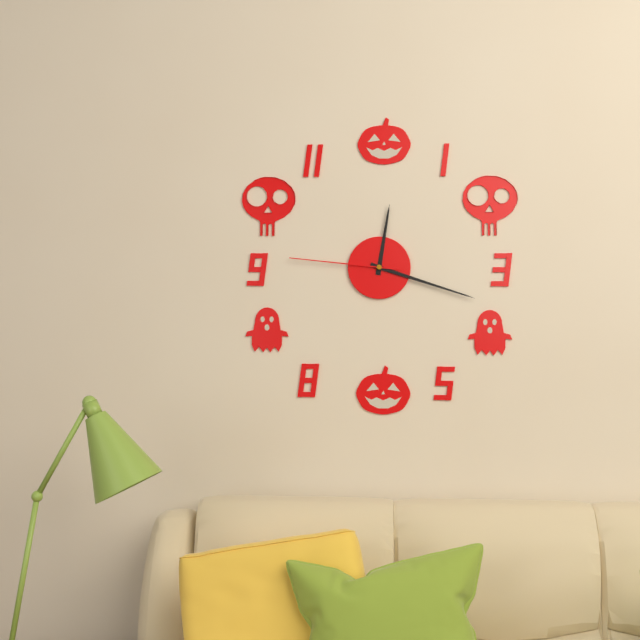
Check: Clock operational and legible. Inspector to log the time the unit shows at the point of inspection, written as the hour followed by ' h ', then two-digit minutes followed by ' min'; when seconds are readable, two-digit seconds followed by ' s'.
12 h 18 min 46 s
